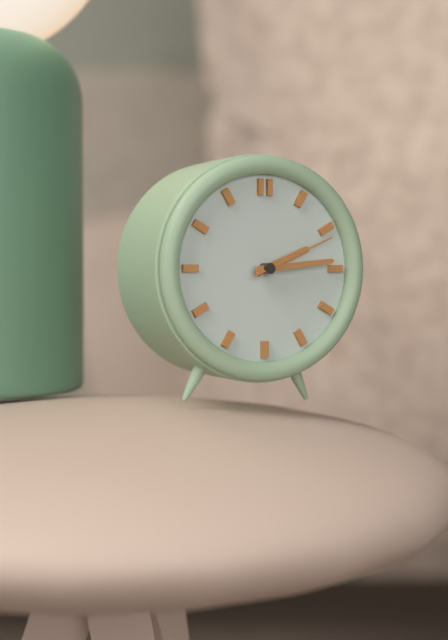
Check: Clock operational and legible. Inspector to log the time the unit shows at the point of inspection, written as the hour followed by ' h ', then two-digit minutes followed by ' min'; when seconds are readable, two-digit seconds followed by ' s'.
2 h 14 min 11 s
